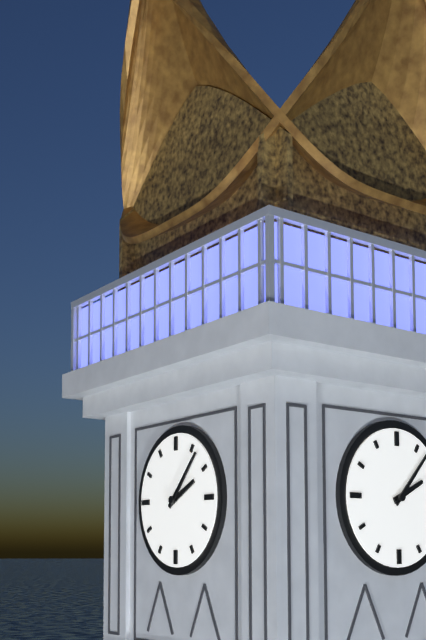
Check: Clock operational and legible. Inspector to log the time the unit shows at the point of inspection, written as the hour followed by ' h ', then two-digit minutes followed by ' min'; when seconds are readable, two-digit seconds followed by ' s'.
2 h 07 min
